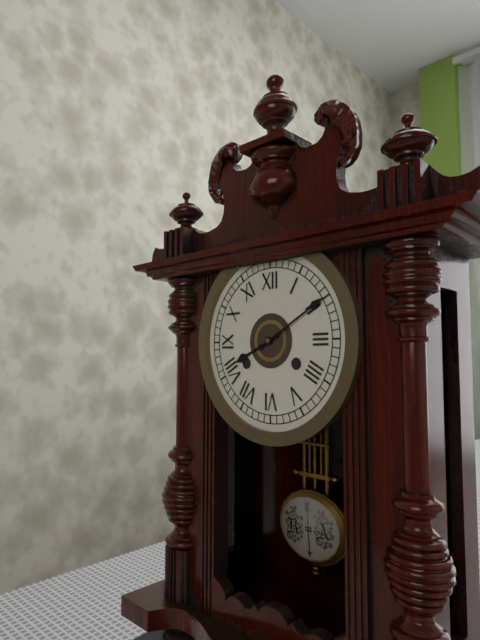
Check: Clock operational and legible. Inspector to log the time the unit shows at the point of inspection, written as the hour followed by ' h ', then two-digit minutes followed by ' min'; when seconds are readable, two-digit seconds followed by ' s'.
8 h 10 min
